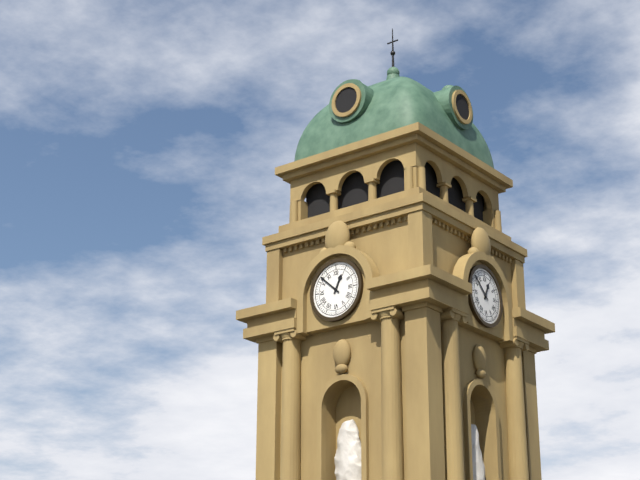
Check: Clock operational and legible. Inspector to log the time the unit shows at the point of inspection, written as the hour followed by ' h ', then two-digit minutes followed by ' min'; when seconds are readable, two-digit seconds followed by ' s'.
12 h 52 min
